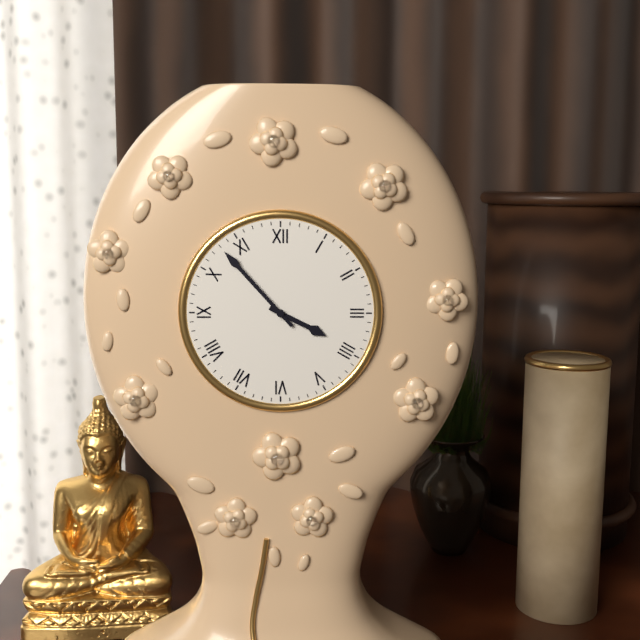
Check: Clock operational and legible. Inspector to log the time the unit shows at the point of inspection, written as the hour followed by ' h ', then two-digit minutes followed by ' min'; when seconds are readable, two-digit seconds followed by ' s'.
3 h 53 min
